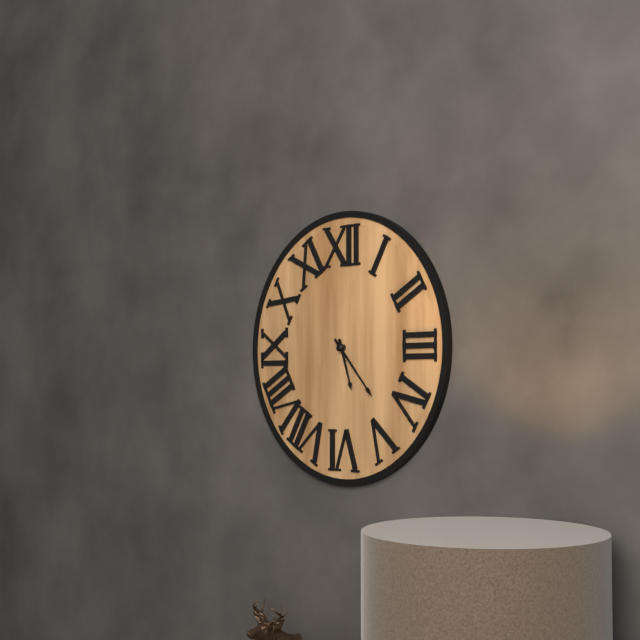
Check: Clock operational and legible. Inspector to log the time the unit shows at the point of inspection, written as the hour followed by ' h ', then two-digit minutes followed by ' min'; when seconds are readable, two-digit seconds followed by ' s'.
5 h 23 min
